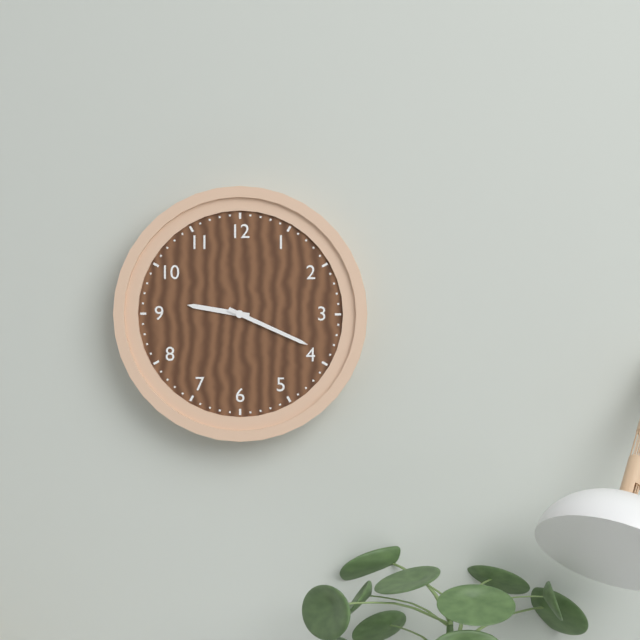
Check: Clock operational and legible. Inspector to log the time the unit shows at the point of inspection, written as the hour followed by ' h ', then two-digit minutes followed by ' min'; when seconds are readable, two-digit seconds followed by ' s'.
9 h 19 min
